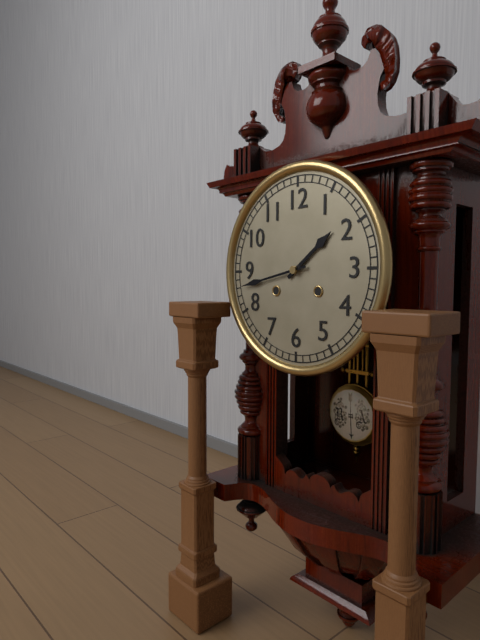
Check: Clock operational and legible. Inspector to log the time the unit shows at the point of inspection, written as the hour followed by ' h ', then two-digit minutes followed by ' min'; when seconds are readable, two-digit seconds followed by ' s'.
1 h 43 min
